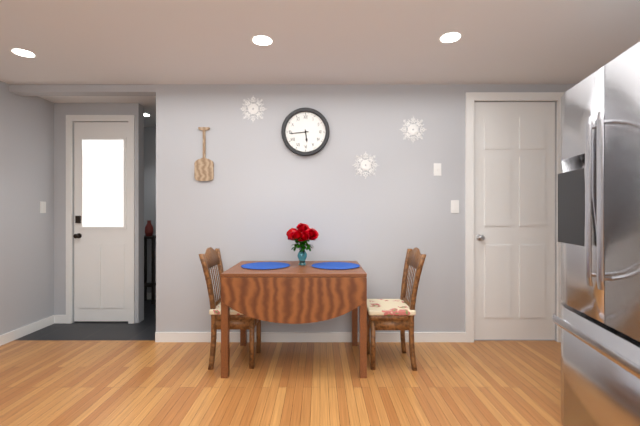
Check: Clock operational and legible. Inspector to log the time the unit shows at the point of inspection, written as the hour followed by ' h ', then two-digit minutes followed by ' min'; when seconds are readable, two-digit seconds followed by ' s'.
5 h 44 min
